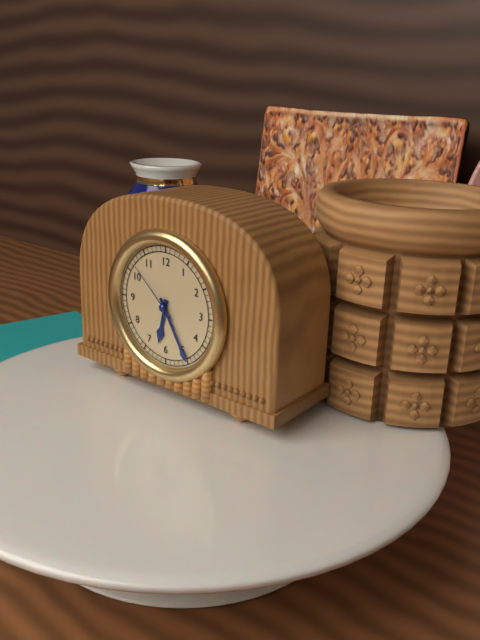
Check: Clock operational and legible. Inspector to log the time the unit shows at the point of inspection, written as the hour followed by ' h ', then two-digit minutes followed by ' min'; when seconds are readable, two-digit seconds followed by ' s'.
6 h 25 min 52 s
